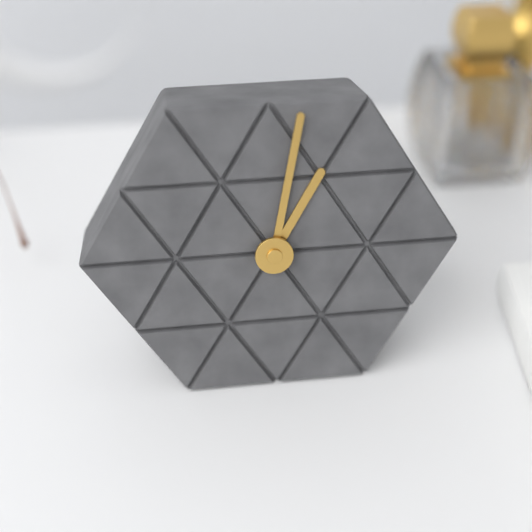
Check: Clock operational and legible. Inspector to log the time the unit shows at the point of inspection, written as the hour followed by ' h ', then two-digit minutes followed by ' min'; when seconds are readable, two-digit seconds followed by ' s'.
1 h 02 min
